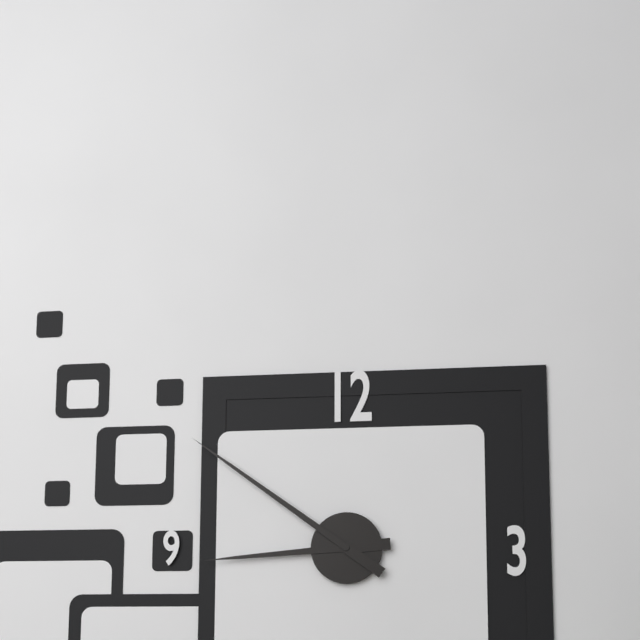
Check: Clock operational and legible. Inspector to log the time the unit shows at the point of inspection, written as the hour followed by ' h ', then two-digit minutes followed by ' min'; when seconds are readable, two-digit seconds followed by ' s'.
8 h 51 min
